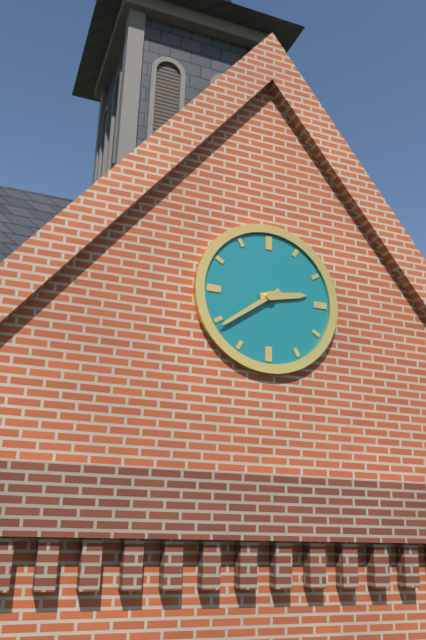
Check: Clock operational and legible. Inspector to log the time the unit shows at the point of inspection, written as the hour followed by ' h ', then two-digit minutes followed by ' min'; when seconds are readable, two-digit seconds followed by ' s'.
2 h 39 min
